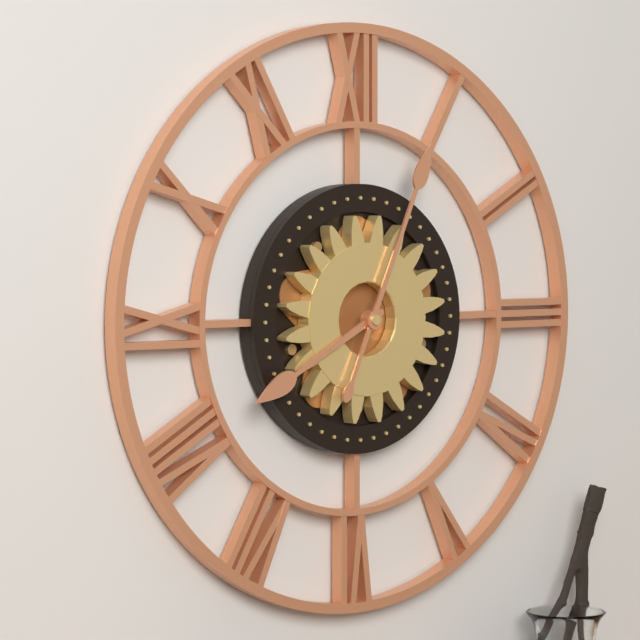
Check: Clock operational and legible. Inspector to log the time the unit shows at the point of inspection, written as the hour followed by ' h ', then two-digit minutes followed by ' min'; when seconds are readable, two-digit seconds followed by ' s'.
8 h 04 min
